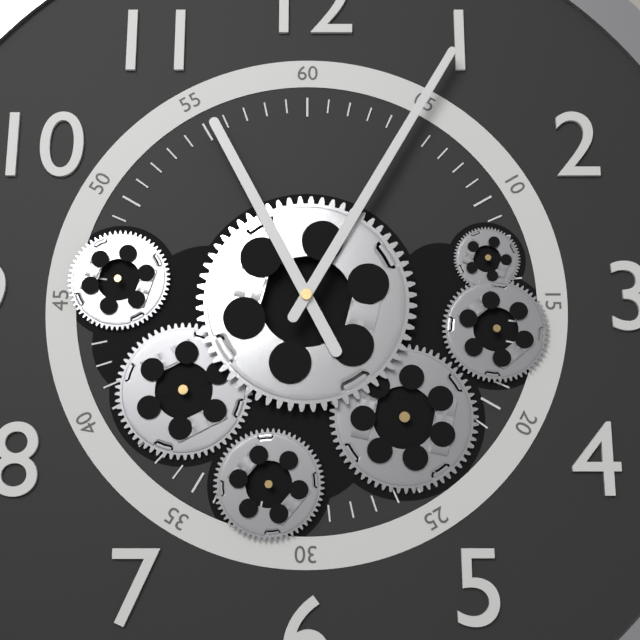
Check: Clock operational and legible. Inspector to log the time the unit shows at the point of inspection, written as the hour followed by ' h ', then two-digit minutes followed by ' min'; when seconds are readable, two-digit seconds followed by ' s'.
11 h 05 min
